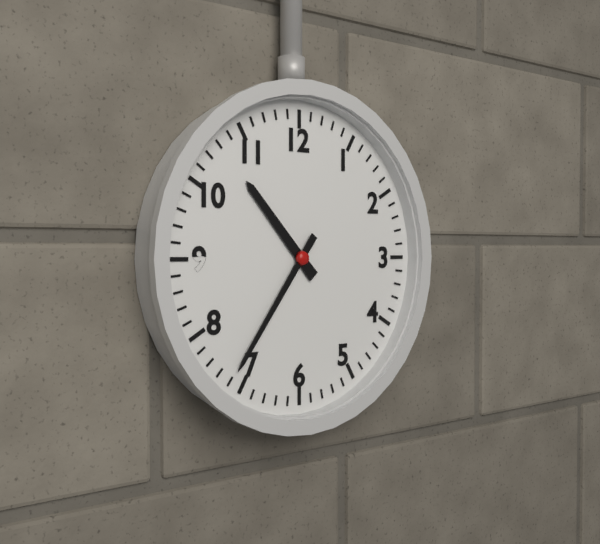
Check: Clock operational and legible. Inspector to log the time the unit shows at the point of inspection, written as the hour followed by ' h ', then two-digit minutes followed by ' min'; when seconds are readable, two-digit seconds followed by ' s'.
10 h 36 min
